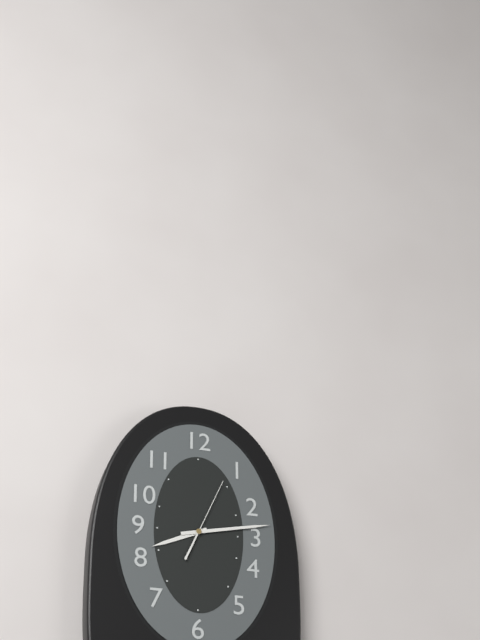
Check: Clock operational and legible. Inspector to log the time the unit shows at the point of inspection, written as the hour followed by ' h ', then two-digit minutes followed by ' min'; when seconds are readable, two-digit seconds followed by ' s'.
8 h 13 min 04 s
